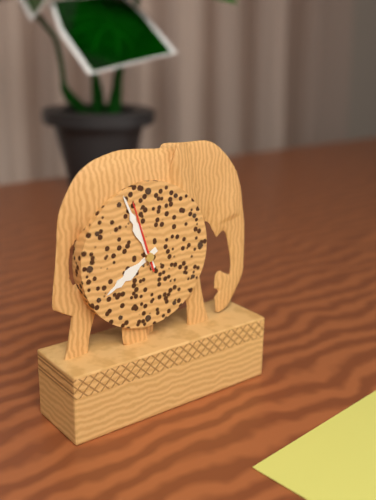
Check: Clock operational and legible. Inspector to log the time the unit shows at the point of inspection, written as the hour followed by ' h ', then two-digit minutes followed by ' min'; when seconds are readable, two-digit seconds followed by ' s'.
7 h 56 min 57 s
